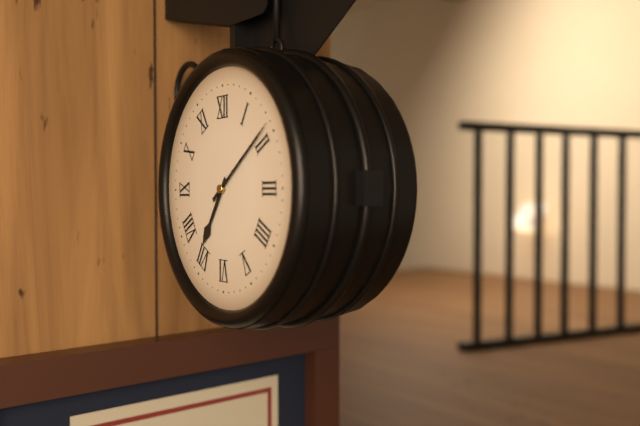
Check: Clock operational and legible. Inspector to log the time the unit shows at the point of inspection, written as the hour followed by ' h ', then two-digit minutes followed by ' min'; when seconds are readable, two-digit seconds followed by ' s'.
7 h 09 min
